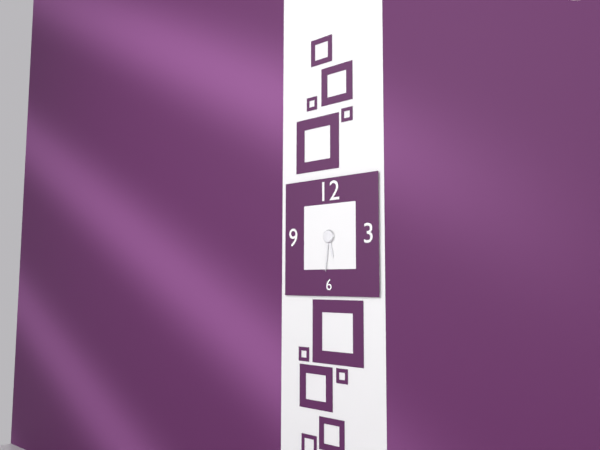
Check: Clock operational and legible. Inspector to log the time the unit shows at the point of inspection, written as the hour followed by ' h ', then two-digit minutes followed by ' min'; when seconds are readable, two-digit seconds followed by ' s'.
5 h 31 min
